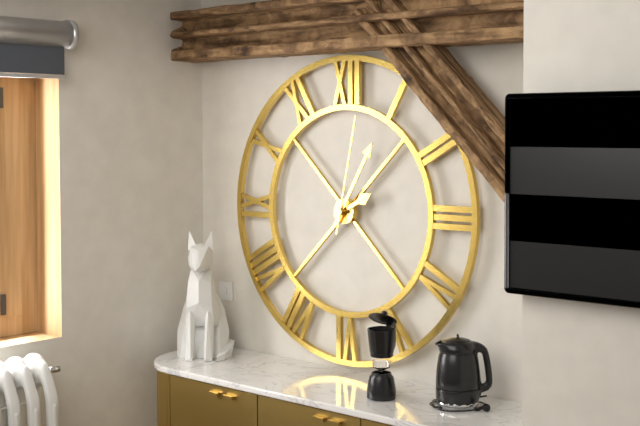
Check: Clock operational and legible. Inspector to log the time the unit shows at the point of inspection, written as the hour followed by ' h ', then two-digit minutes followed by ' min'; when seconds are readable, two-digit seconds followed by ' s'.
2 h 05 min 02 s
